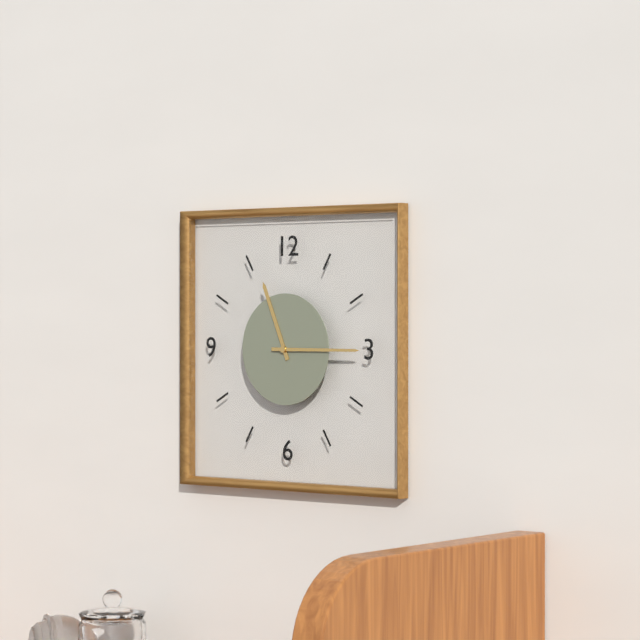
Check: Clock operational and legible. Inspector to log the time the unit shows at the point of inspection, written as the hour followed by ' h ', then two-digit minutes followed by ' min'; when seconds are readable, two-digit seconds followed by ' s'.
11 h 15 min
